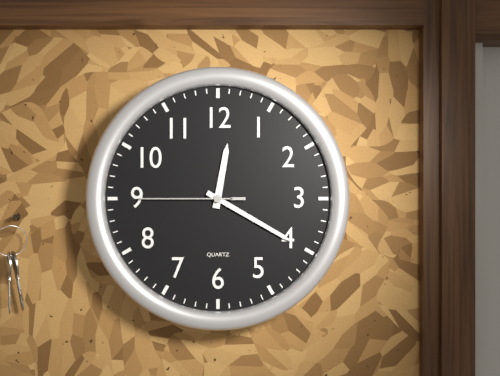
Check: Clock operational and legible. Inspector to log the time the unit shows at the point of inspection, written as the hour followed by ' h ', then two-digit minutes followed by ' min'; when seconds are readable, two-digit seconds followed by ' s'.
12 h 20 min 45 s
